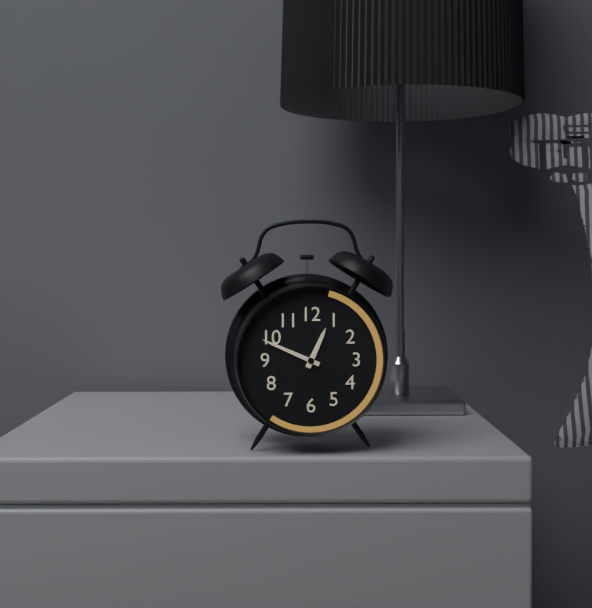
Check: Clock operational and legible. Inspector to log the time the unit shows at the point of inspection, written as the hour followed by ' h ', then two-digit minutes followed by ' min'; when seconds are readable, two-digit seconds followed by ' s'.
12 h 49 min
